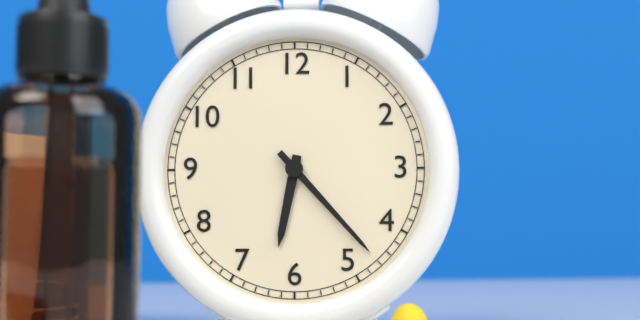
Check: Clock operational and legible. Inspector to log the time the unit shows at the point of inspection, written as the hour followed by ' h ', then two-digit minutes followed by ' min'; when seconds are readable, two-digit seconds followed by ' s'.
6 h 23 min
